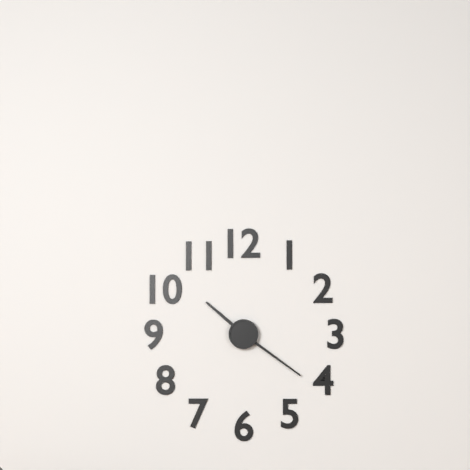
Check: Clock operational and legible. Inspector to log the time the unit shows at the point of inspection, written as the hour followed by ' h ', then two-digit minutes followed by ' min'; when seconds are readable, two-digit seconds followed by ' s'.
10 h 21 min
